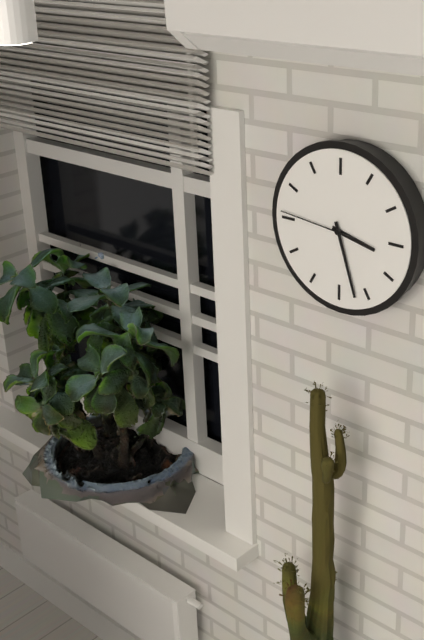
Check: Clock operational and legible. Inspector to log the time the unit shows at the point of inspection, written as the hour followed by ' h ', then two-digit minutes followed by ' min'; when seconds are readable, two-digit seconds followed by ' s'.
3 h 27 min 46 s
